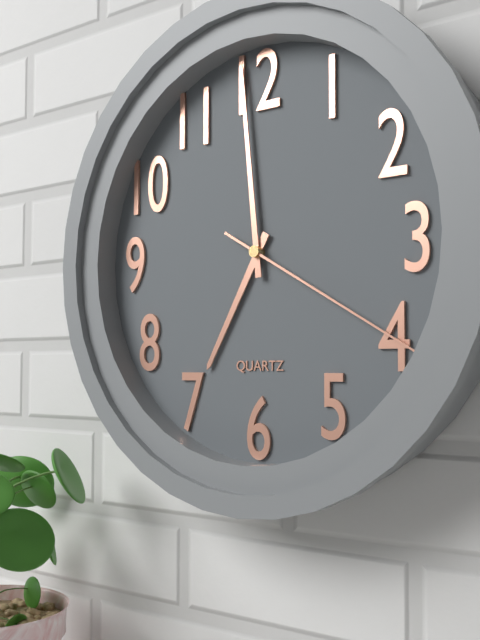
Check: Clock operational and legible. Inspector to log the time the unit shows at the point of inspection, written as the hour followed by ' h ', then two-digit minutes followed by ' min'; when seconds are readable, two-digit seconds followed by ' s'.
6 h 59 min 20 s
